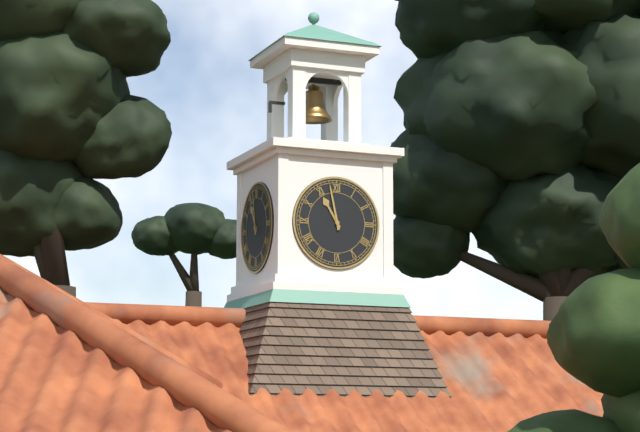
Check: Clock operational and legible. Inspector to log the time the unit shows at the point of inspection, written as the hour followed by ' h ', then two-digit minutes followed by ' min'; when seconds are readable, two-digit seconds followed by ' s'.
10 h 58 min
